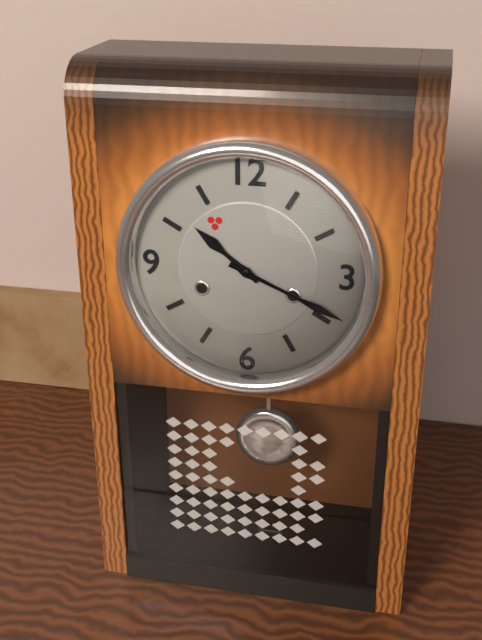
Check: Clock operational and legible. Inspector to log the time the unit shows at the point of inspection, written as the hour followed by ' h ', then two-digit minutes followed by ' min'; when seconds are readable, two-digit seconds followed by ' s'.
10 h 19 min
